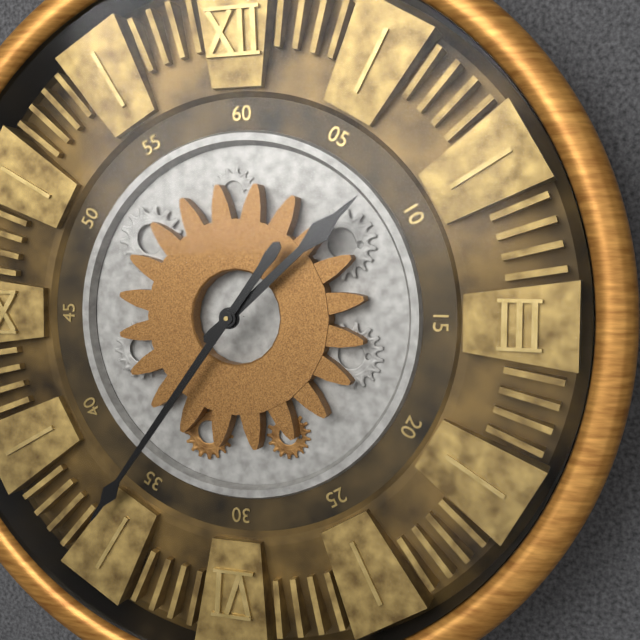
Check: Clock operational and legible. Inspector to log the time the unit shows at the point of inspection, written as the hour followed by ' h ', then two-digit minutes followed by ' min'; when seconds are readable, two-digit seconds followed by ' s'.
1 h 36 min
